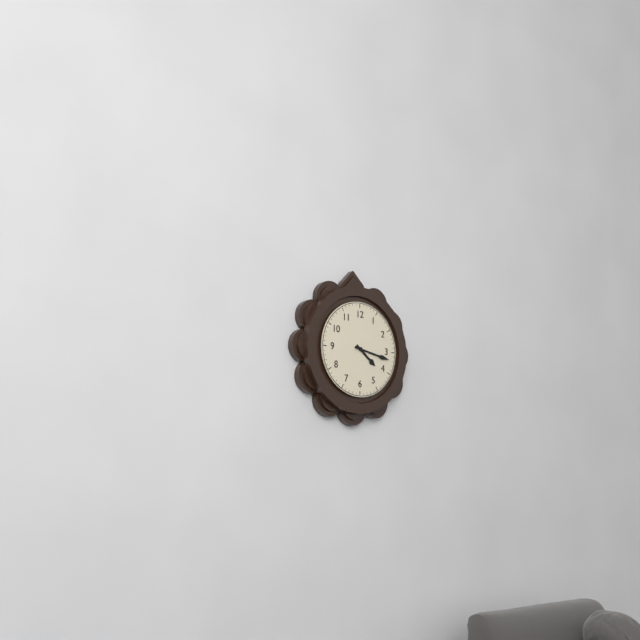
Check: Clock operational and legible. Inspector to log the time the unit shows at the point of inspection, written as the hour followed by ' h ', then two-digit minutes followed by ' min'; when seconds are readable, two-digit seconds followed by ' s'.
4 h 17 min
